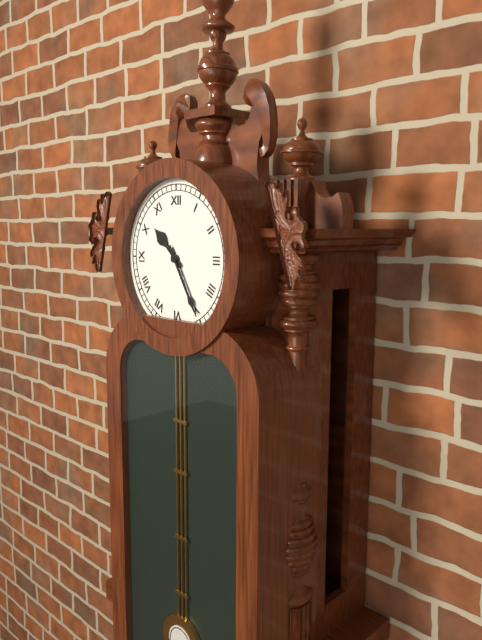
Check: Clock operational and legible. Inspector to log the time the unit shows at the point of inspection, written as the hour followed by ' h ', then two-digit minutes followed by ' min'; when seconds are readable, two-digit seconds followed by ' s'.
10 h 25 min
